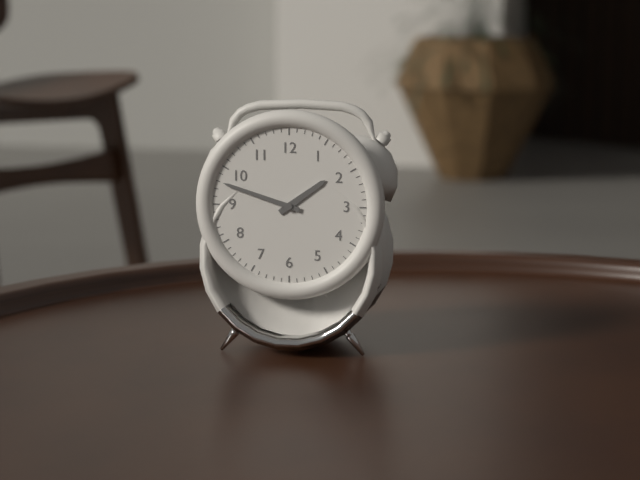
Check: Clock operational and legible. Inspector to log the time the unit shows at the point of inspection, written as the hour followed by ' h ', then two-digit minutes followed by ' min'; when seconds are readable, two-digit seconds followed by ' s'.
1 h 48 min
